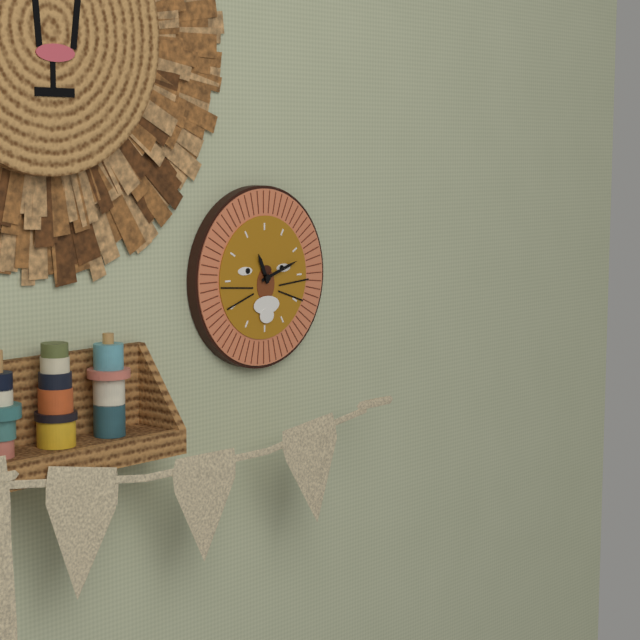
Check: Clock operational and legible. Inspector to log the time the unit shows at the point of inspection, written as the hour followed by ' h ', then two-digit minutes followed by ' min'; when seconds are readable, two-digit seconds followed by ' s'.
11 h 12 min
